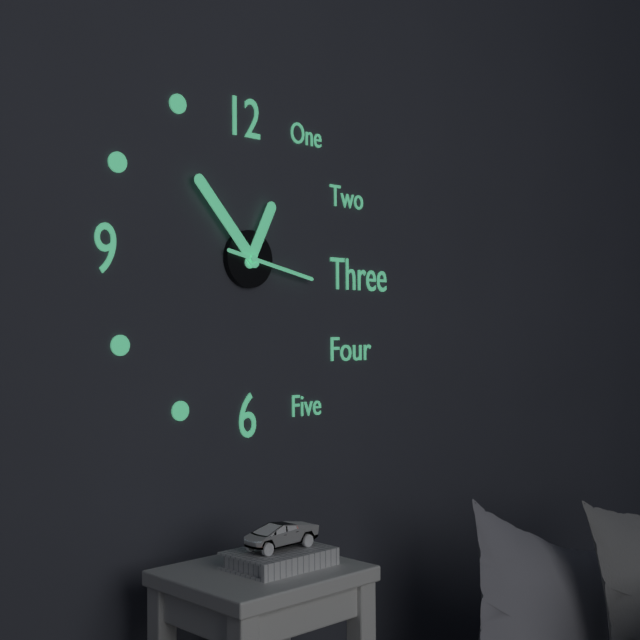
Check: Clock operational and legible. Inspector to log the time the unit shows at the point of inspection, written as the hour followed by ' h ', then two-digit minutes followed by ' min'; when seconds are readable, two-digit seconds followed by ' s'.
12 h 53 min 17 s
